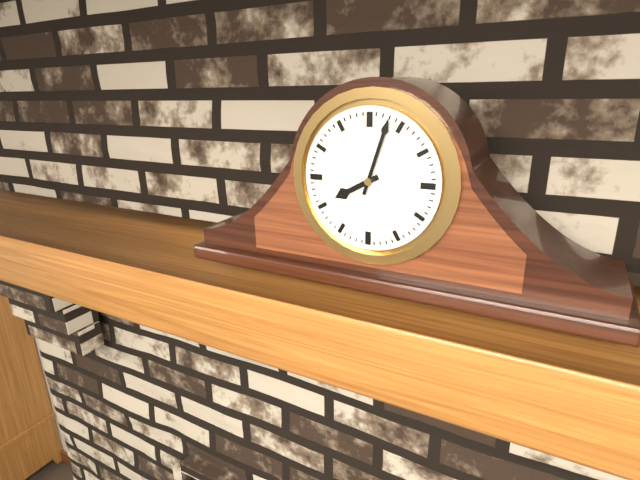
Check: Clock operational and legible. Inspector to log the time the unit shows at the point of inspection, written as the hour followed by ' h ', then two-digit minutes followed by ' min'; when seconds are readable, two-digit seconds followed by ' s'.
8 h 03 min
